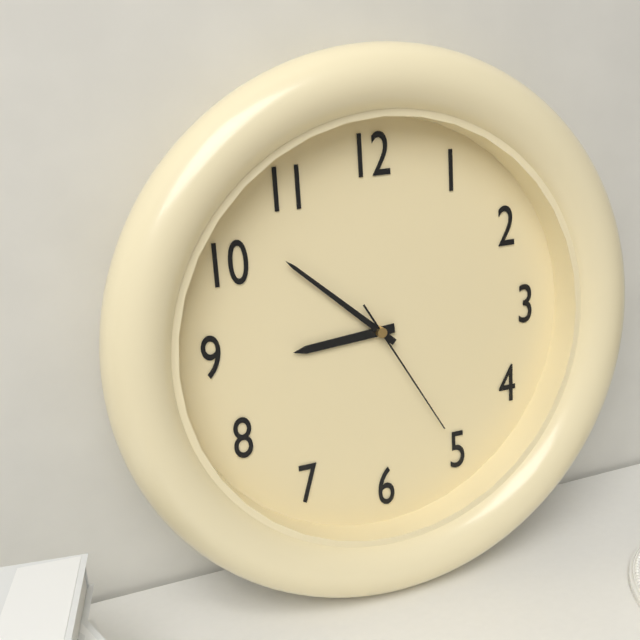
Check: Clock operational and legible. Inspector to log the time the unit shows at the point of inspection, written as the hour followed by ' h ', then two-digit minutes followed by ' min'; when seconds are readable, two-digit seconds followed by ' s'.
8 h 52 min 25 s
